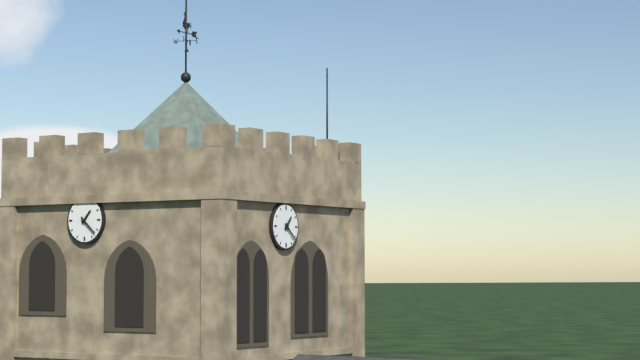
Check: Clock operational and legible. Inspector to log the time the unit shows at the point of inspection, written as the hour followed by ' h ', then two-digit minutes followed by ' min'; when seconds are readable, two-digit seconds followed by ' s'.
1 h 22 min
